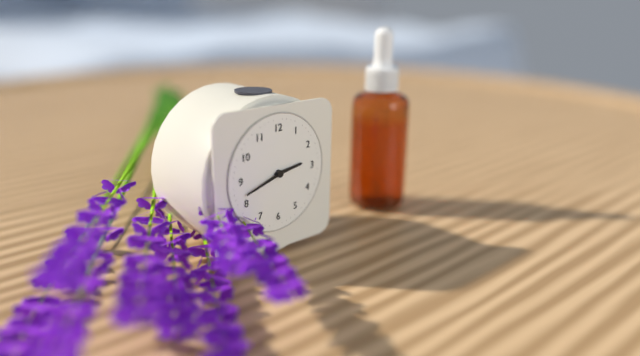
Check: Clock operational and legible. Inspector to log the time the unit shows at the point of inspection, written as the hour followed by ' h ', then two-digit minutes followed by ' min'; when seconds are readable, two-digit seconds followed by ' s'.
2 h 42 min
